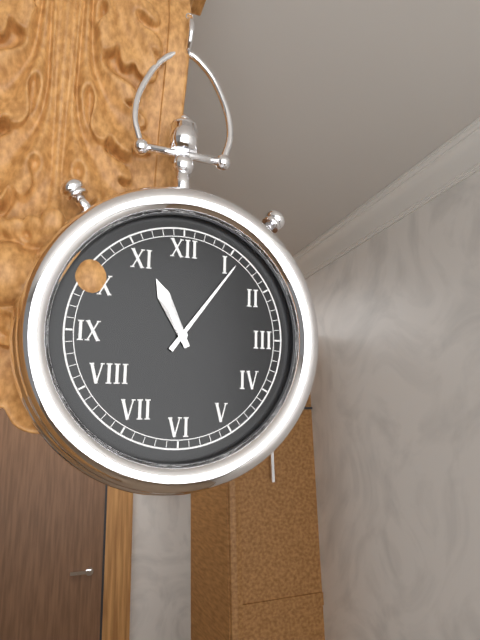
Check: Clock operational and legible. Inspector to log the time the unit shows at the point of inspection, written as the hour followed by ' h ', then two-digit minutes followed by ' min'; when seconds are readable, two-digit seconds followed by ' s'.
11 h 06 min
